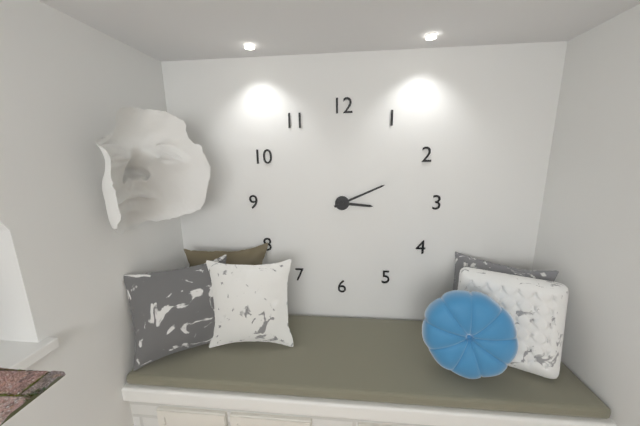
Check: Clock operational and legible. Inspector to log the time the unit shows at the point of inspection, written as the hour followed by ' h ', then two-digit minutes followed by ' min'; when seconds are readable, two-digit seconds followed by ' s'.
3 h 11 min
